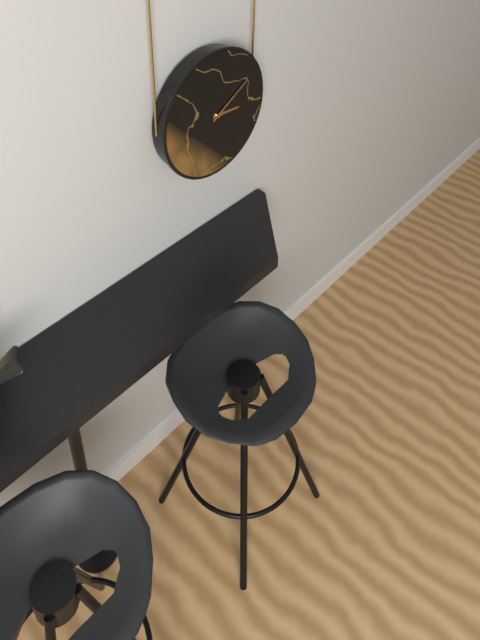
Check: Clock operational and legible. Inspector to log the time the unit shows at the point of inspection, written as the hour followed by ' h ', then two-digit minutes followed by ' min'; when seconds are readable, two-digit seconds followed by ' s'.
3 h 10 min
